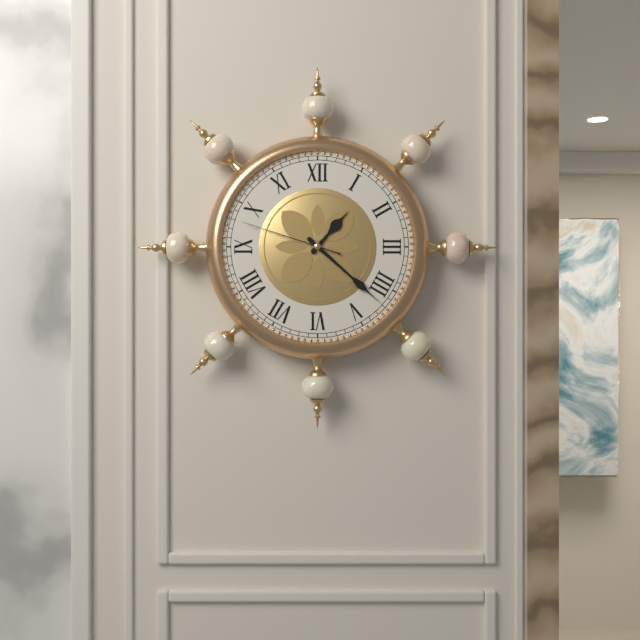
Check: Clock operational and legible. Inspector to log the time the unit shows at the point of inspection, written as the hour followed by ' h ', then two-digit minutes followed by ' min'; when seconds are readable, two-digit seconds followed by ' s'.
1 h 22 min 48 s
